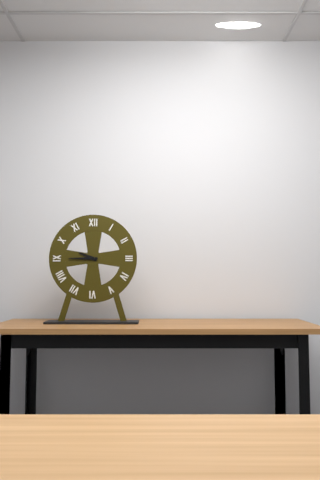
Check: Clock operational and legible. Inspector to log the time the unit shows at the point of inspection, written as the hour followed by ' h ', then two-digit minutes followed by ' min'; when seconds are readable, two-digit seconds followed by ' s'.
9 h 45 min
